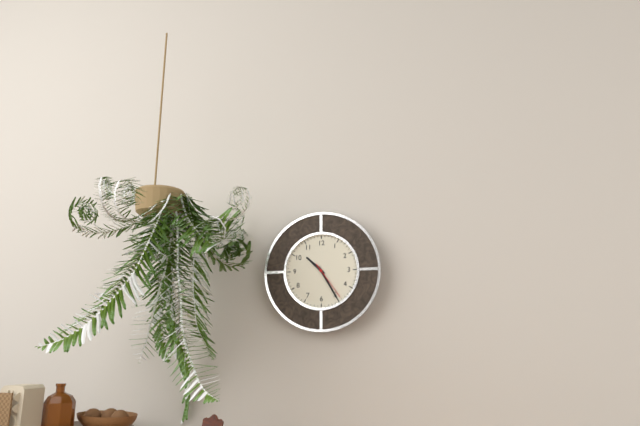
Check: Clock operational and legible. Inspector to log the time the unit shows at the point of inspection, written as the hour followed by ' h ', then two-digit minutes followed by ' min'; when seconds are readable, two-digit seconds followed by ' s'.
10 h 25 min
